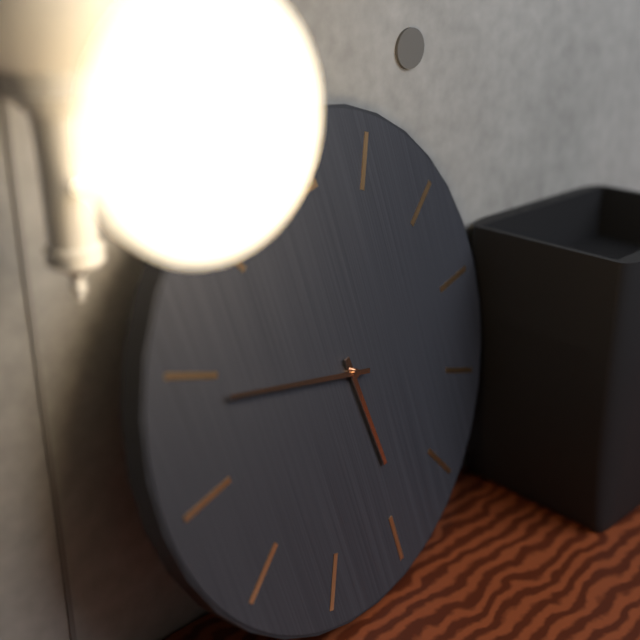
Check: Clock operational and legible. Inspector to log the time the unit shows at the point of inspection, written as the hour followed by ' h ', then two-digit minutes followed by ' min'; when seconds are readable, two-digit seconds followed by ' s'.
5 h 49 min
